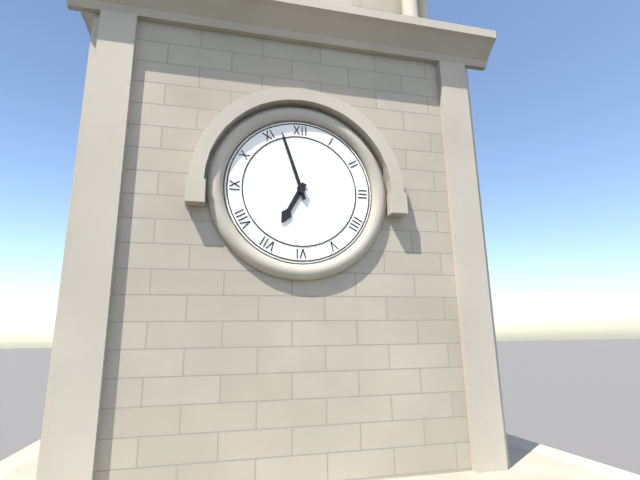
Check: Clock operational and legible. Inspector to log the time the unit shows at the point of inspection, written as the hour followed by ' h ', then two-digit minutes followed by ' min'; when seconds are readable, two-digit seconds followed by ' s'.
6 h 57 min
